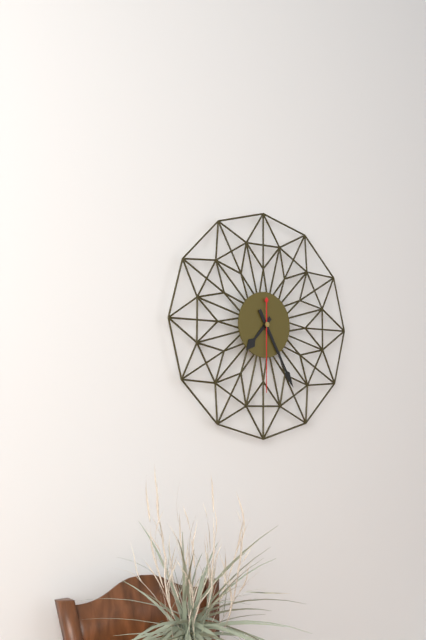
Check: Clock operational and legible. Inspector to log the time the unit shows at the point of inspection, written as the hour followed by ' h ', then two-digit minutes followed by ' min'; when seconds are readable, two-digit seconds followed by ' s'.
7 h 25 min 30 s
